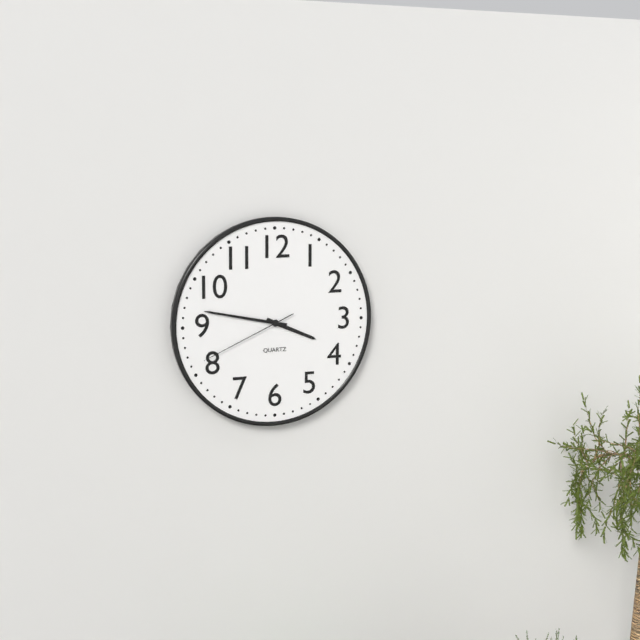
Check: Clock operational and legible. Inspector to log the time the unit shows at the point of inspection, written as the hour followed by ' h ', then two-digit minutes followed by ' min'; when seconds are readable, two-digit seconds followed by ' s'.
3 h 47 min 41 s
